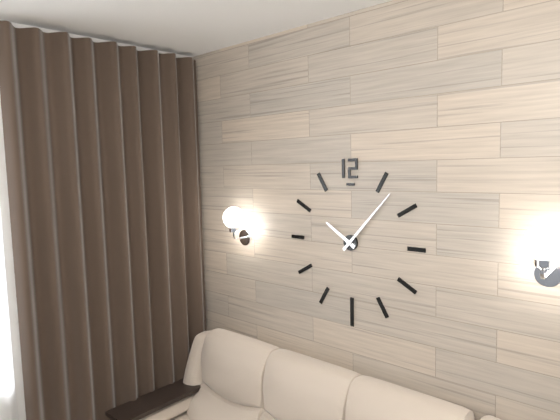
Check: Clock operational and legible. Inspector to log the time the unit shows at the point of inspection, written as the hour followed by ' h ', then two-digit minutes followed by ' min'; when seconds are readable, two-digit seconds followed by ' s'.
10 h 07 min
